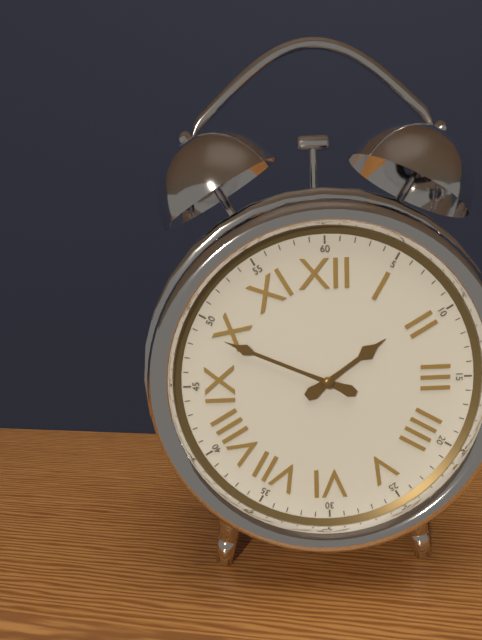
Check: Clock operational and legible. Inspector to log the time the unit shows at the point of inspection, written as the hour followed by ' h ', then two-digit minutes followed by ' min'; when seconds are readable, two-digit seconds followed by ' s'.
1 h 49 min
